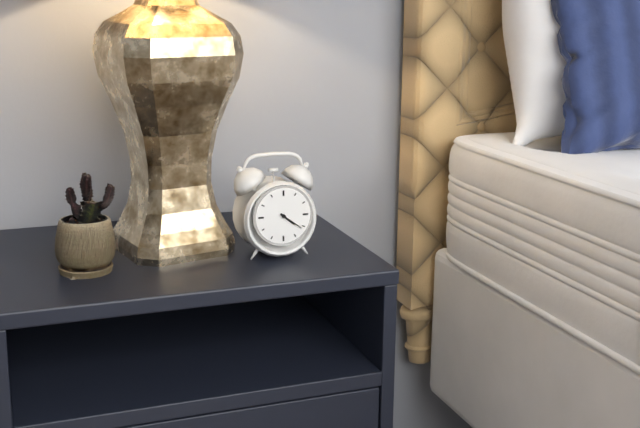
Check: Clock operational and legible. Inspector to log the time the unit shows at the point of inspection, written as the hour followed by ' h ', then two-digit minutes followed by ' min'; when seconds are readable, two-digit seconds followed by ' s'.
4 h 21 min
